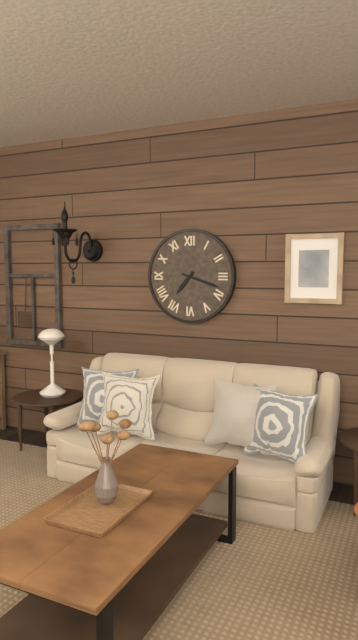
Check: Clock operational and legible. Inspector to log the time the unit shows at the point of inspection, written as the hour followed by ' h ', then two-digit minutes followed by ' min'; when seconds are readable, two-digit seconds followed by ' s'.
7 h 18 min
